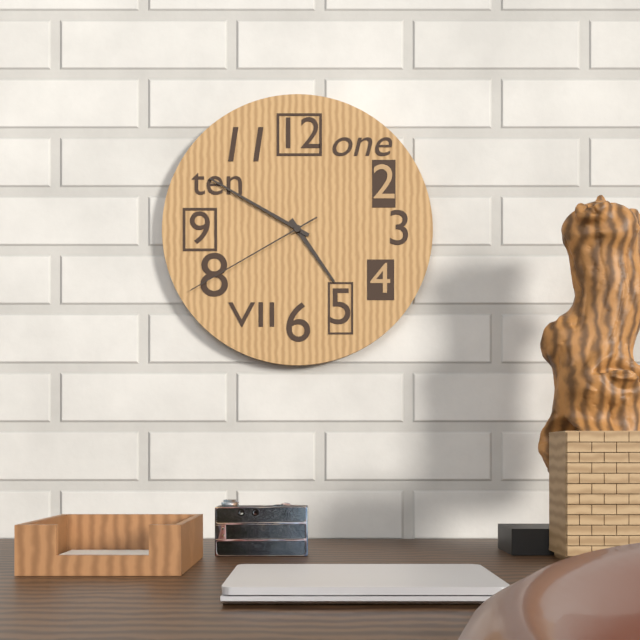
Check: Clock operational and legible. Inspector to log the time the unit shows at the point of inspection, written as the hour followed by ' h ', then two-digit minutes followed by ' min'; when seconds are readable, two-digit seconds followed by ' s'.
4 h 50 min 40 s
